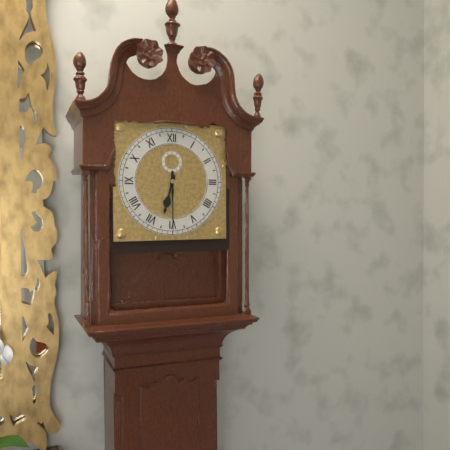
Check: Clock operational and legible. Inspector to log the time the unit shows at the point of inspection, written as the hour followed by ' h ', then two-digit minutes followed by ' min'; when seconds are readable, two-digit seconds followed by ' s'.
6 h 30 min
